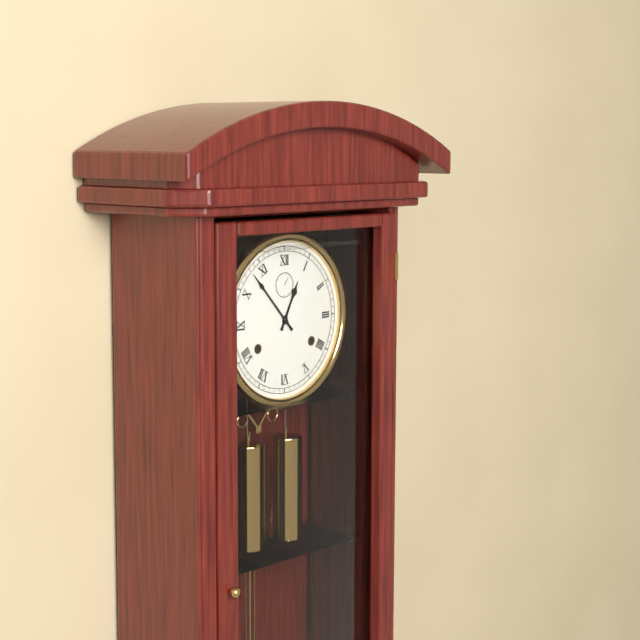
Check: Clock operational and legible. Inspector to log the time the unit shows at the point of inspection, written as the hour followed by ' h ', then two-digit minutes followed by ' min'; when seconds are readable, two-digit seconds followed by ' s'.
12 h 53 min
